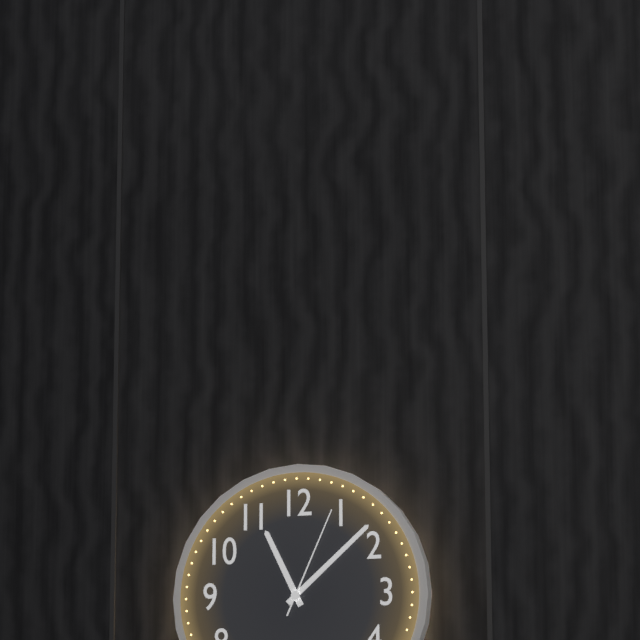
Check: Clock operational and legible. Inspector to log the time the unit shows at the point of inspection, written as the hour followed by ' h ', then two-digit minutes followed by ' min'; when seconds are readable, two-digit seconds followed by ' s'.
11 h 08 min 04 s
